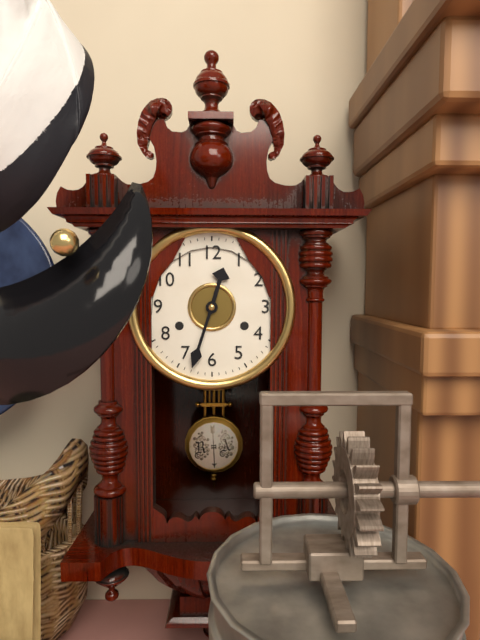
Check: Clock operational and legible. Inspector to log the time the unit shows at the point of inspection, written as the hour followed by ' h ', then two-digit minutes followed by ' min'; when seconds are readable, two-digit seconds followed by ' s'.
12 h 33 min
